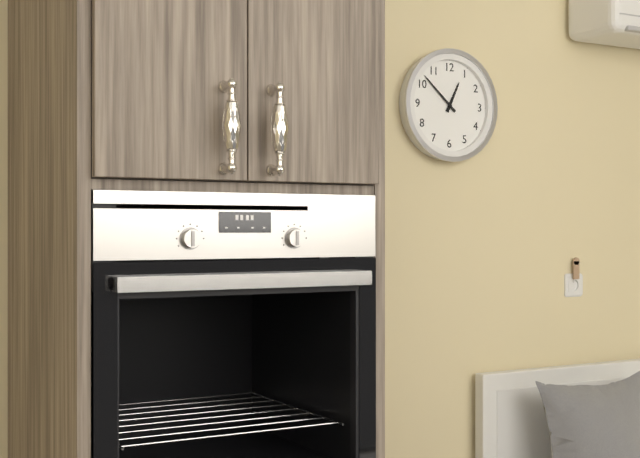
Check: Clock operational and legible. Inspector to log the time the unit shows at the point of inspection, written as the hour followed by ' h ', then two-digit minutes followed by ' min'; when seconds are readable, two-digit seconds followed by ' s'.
12 h 52 min
